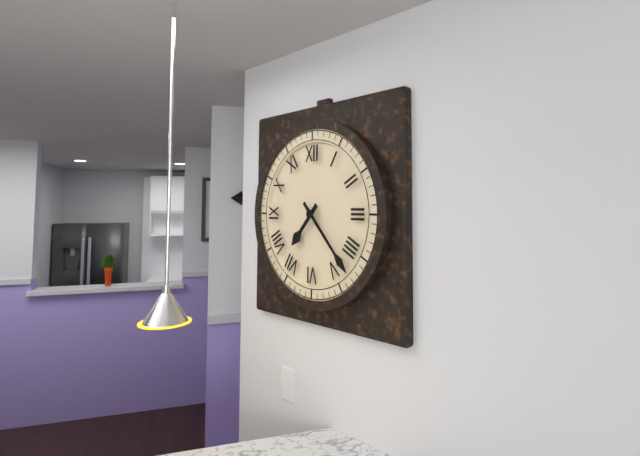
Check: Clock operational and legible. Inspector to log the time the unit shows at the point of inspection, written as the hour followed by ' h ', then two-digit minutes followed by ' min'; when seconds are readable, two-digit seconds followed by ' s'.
7 h 23 min
